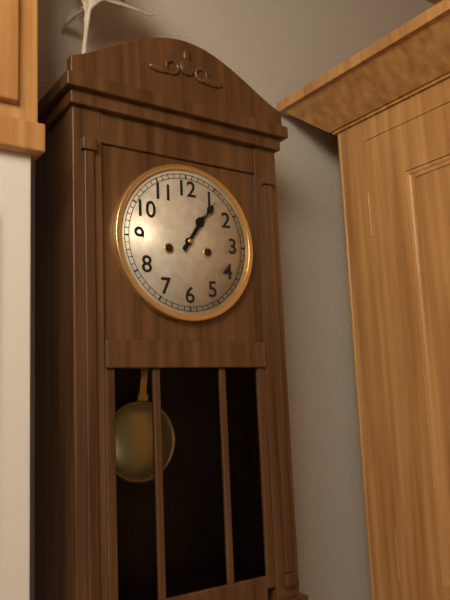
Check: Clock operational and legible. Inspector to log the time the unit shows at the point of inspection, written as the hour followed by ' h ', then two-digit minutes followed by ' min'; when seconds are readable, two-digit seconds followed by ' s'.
1 h 06 min
